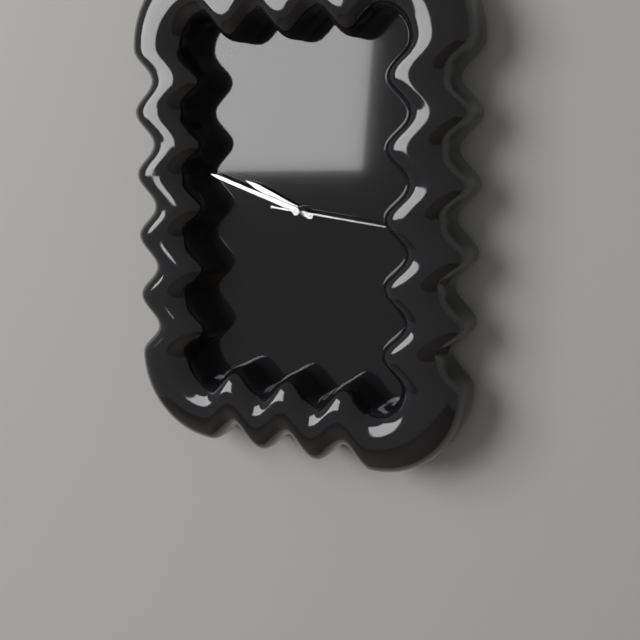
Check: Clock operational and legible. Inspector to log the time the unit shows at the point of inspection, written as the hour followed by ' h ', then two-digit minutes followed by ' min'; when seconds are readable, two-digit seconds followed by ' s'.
9 h 48 min 16 s
